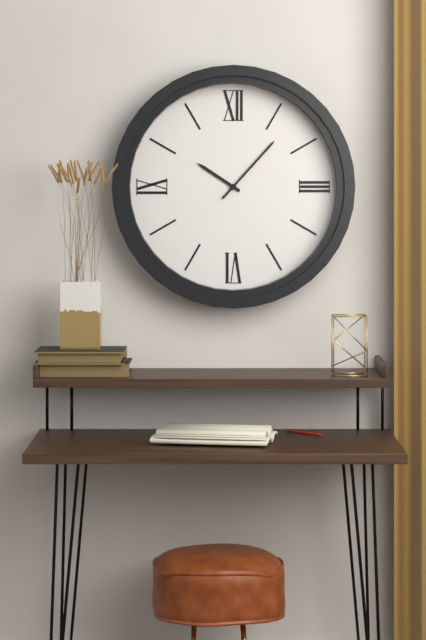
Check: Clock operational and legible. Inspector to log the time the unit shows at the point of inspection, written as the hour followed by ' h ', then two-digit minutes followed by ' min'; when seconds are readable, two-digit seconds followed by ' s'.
10 h 07 min
